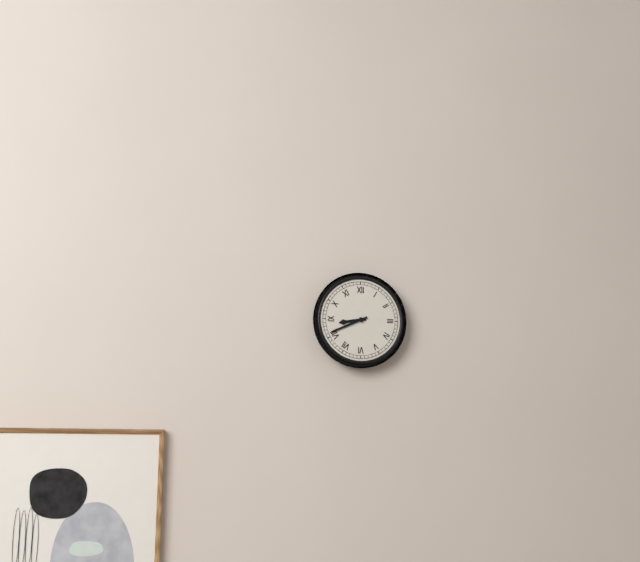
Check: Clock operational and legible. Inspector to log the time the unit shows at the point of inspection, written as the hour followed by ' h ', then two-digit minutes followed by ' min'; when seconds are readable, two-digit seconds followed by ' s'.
8 h 41 min
